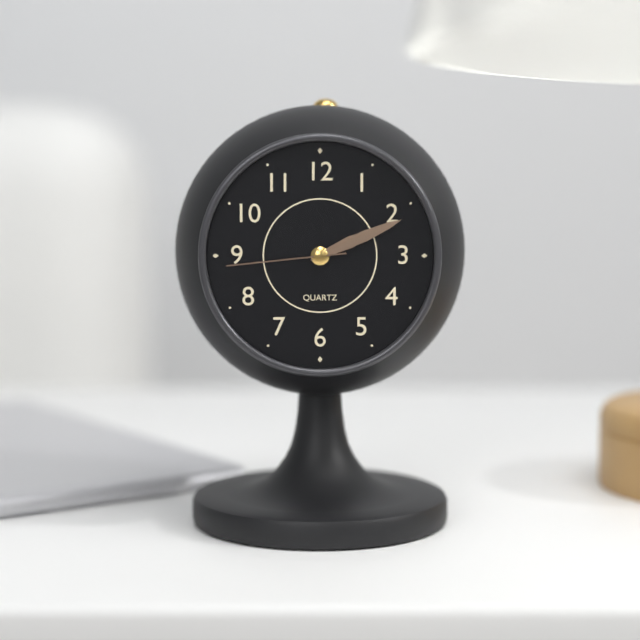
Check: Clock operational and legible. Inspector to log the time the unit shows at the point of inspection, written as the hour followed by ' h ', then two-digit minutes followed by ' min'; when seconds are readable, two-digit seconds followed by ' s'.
2 h 11 min 44 s
